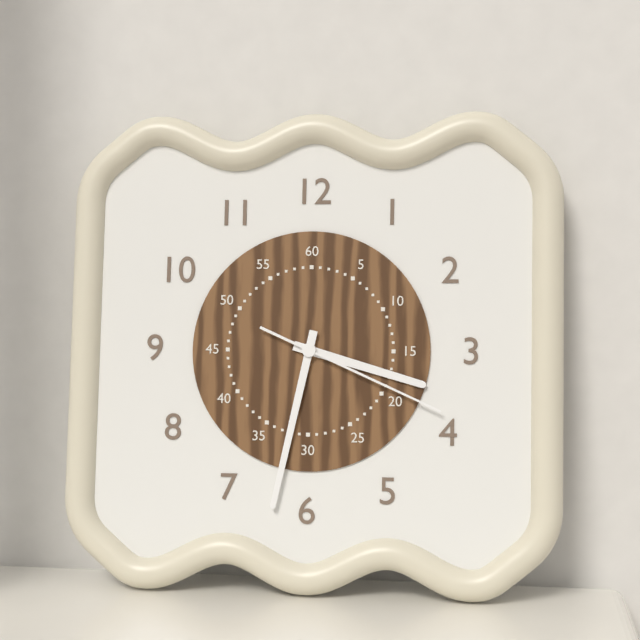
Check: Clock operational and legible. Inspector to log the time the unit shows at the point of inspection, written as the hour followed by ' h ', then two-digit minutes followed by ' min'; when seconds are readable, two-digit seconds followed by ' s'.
3 h 32 min 19 s
